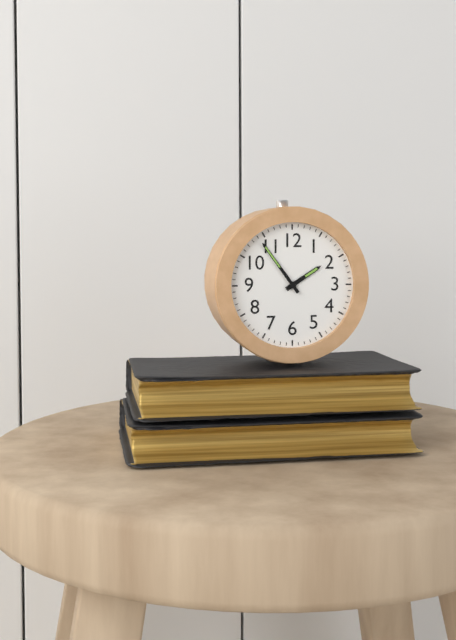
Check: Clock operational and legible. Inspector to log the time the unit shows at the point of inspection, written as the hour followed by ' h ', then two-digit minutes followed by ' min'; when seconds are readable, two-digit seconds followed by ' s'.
1 h 54 min
